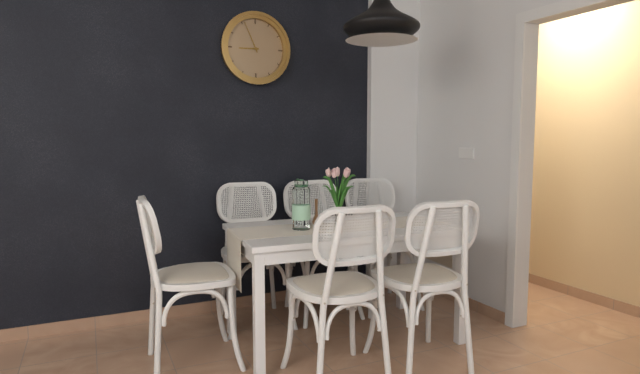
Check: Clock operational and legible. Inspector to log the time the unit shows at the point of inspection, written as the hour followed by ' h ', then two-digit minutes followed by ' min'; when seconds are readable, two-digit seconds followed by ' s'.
8 h 56 min
